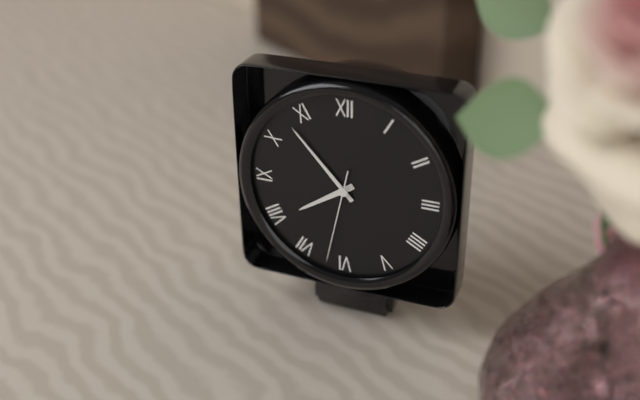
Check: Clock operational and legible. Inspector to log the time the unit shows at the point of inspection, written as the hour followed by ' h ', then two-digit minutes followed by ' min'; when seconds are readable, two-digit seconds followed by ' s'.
7 h 53 min 32 s
